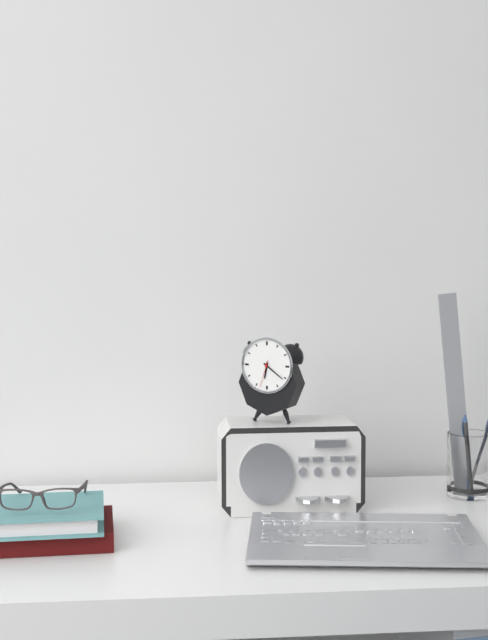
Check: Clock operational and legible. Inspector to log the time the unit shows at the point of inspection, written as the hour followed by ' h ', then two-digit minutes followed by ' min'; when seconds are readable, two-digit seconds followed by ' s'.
6 h 21 min
